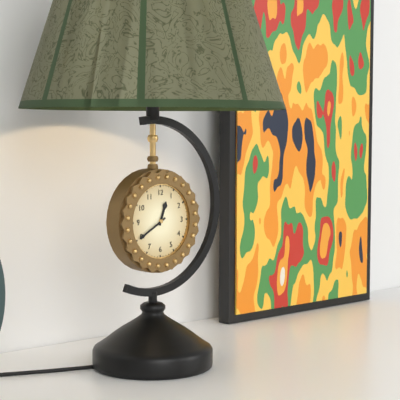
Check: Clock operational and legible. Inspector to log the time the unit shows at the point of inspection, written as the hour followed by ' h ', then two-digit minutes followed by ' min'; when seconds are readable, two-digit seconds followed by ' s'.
12 h 40 min
